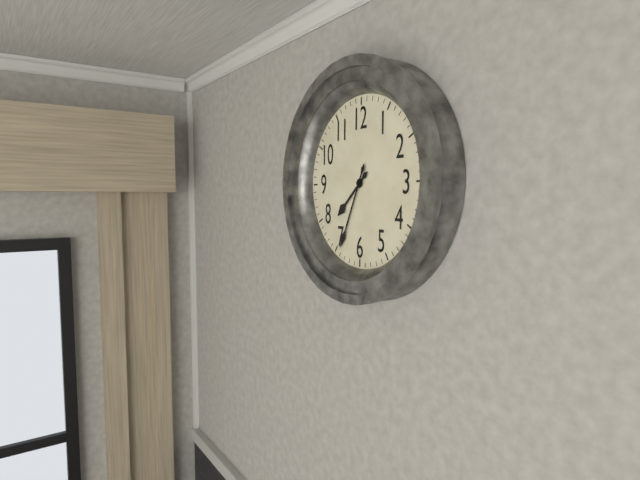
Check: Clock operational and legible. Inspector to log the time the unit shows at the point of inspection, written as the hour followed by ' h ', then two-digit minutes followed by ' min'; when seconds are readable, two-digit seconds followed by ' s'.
7 h 34 min
